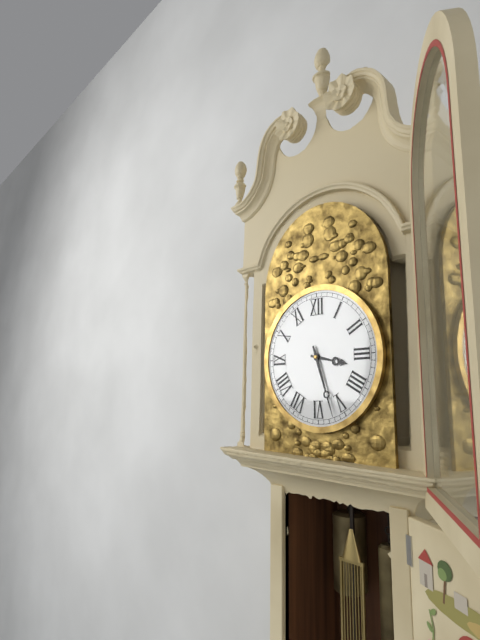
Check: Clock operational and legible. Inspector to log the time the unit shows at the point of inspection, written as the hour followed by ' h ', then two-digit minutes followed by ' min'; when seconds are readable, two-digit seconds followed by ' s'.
3 h 27 min
